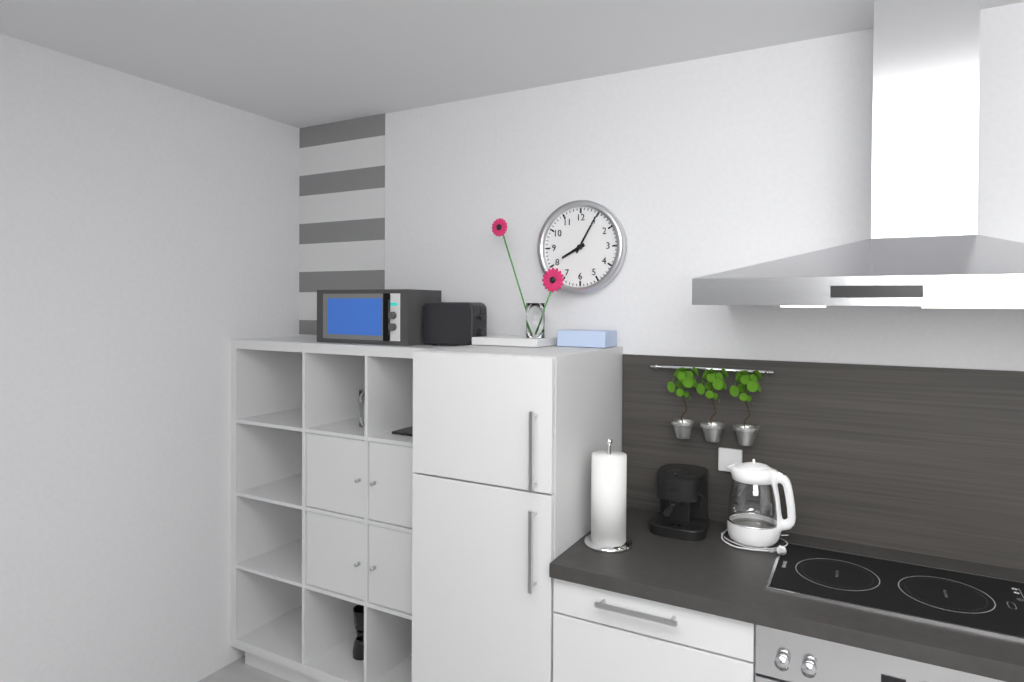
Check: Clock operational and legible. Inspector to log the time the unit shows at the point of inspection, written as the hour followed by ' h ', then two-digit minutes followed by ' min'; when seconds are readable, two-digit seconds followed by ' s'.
8 h 05 min
